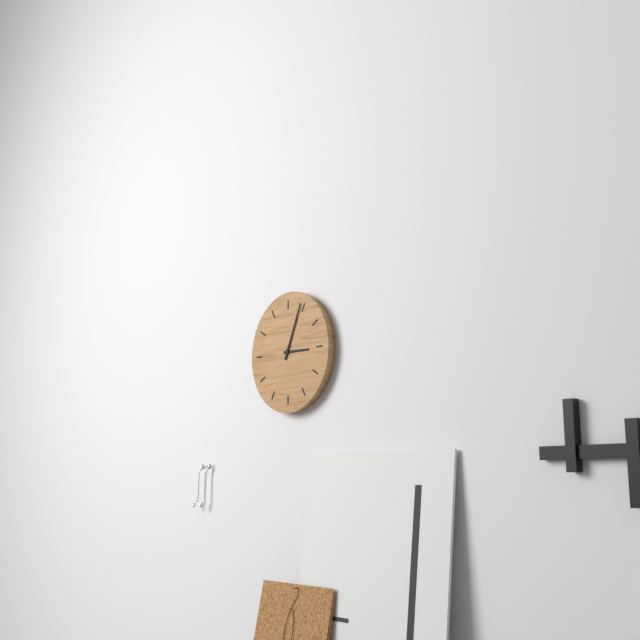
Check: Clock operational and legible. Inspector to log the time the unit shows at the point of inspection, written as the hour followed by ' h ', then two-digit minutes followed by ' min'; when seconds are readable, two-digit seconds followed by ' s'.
3 h 04 min
